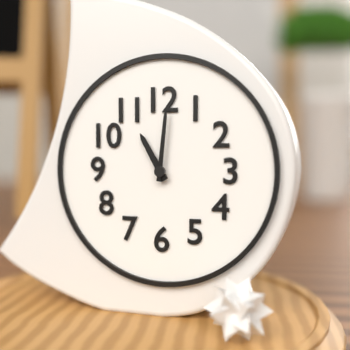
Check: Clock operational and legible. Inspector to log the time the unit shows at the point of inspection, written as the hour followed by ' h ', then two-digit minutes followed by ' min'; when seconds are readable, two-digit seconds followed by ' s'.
11 h 01 min
